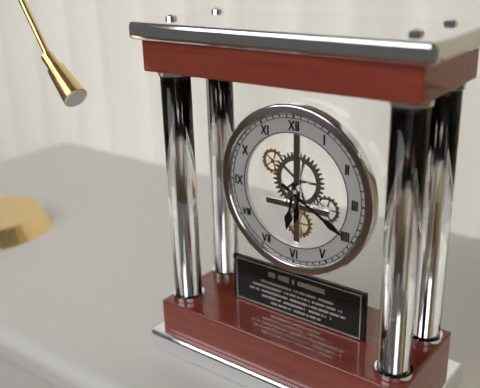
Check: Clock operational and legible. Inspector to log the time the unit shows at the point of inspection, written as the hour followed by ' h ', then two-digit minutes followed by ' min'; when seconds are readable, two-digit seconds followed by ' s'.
6 h 20 min
